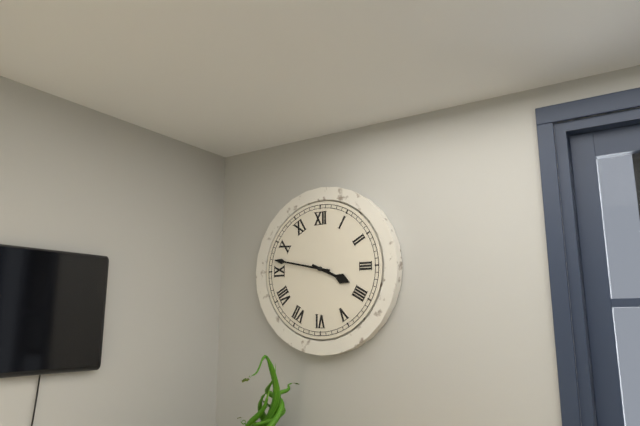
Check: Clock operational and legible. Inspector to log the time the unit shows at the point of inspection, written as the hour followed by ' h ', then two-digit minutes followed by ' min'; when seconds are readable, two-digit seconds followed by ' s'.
3 h 47 min
